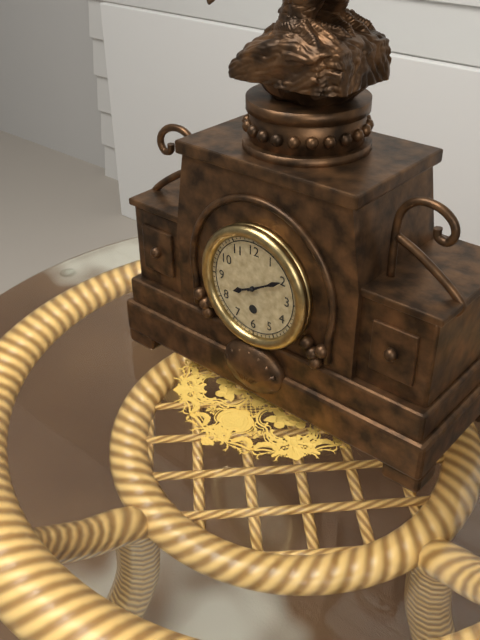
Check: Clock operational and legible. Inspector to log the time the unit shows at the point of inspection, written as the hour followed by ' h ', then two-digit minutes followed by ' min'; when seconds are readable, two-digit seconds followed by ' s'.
8 h 10 min
